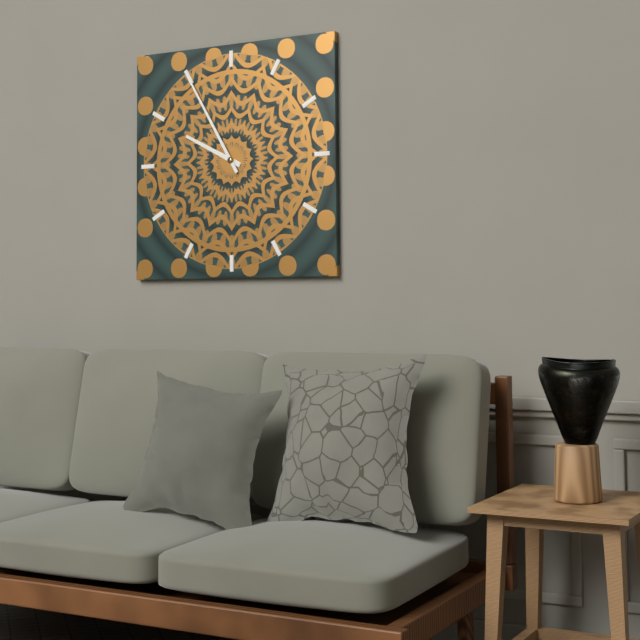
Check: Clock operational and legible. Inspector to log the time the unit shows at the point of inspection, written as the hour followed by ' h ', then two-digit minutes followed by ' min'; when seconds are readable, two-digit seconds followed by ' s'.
9 h 55 min
